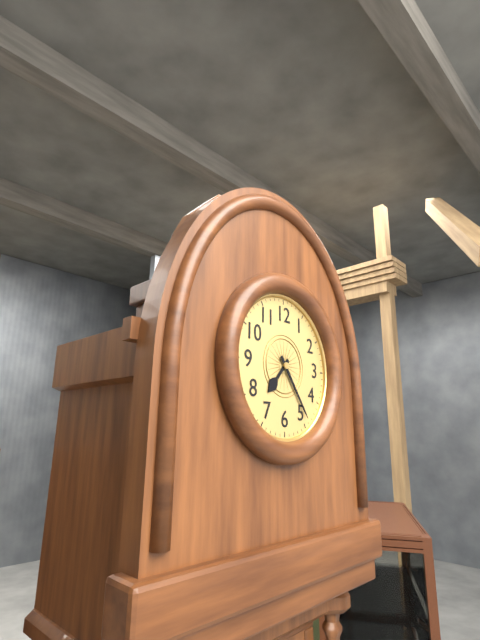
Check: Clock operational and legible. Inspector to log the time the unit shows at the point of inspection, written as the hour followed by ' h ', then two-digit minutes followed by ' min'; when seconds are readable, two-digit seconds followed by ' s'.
7 h 24 min
